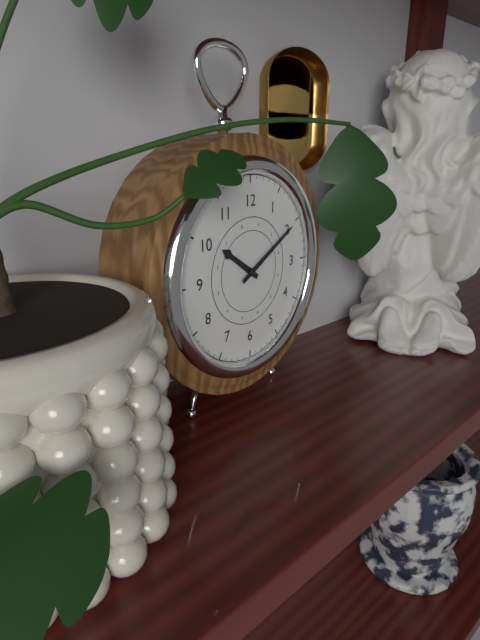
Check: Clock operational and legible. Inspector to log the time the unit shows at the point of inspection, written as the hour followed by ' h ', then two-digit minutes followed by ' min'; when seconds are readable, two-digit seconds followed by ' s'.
10 h 10 min
